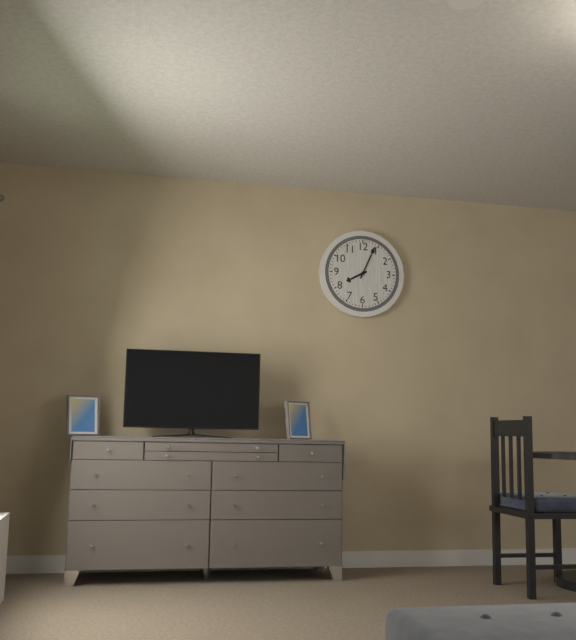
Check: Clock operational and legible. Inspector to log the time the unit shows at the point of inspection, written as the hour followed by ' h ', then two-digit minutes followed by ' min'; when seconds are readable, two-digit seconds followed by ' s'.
8 h 04 min
